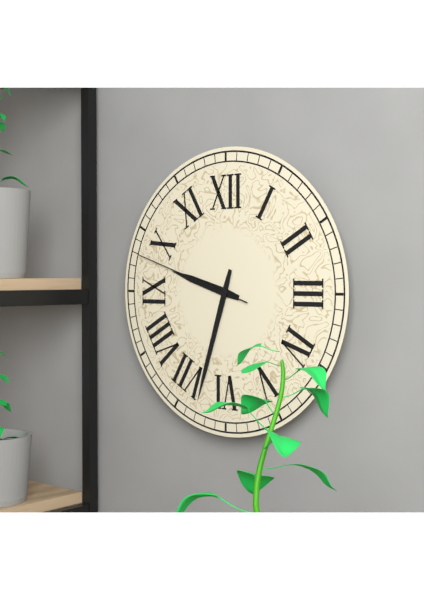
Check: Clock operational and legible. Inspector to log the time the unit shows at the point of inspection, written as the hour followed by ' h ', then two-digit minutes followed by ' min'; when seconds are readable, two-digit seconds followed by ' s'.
9 h 33 min 48 s
